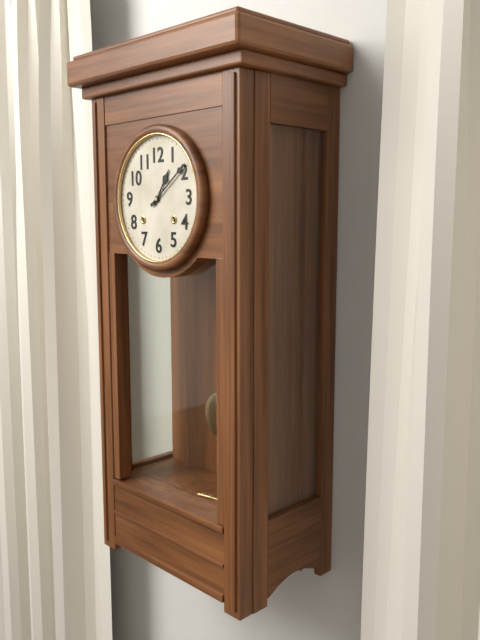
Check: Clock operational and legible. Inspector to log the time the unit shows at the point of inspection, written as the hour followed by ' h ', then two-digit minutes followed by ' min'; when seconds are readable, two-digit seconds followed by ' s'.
1 h 09 min
